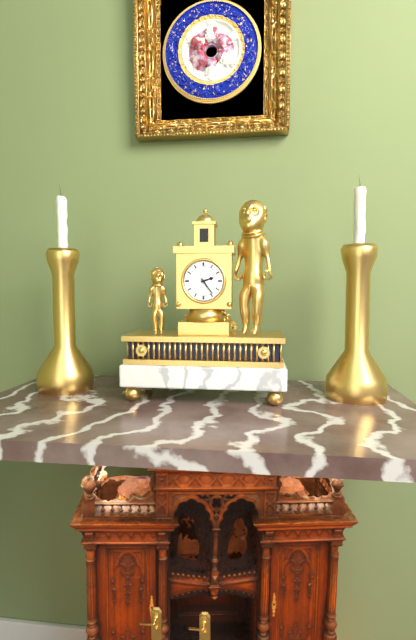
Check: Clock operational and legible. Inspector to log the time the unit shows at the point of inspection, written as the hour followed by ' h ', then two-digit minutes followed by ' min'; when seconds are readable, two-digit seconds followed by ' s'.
2 h 24 min
